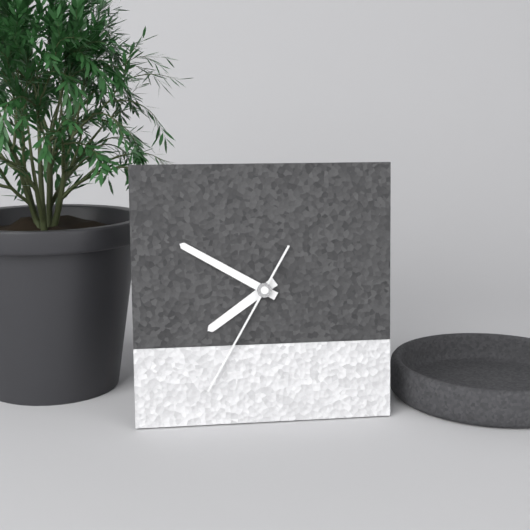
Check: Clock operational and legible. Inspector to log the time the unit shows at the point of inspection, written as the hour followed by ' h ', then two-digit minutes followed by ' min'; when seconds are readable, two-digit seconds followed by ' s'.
7 h 50 min 35 s
